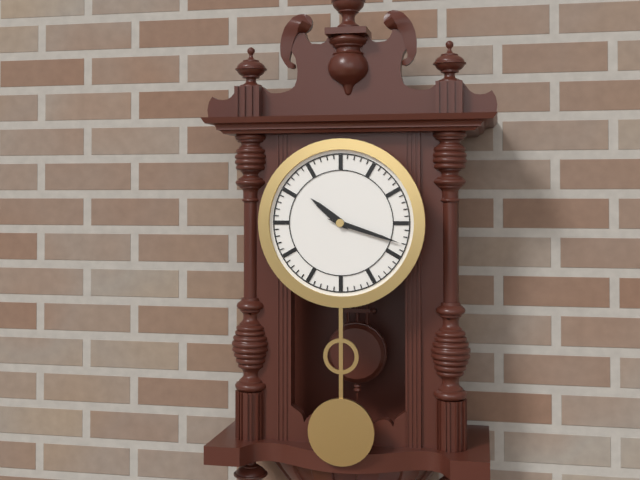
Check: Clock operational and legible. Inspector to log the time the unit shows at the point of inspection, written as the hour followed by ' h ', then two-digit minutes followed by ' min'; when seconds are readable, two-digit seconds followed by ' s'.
10 h 18 min
